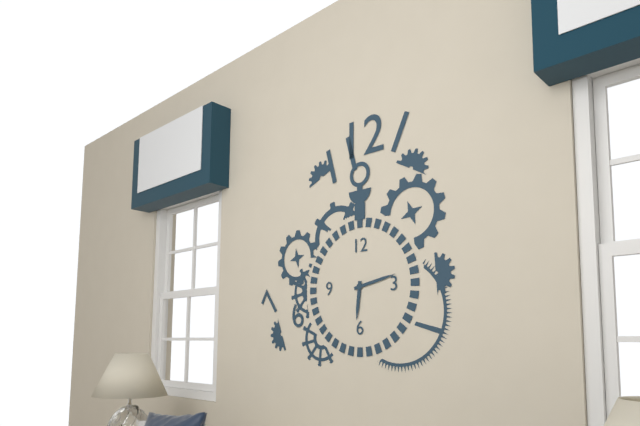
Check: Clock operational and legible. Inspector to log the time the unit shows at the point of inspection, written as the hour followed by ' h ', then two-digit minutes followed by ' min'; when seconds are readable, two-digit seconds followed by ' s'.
6 h 13 min
